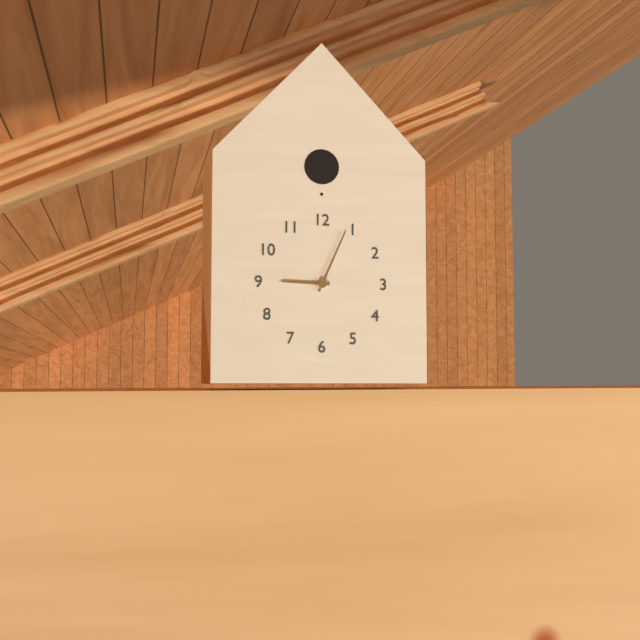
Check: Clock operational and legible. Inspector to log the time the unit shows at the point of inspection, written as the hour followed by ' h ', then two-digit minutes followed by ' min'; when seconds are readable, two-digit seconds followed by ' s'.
9 h 04 min
